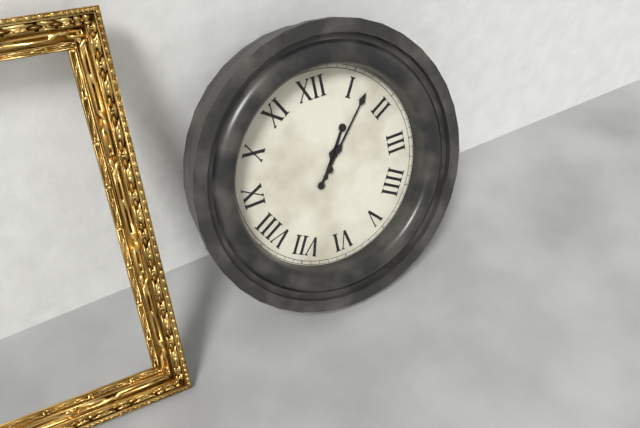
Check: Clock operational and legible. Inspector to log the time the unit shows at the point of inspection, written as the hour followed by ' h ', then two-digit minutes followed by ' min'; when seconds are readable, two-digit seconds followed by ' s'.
1 h 07 min
